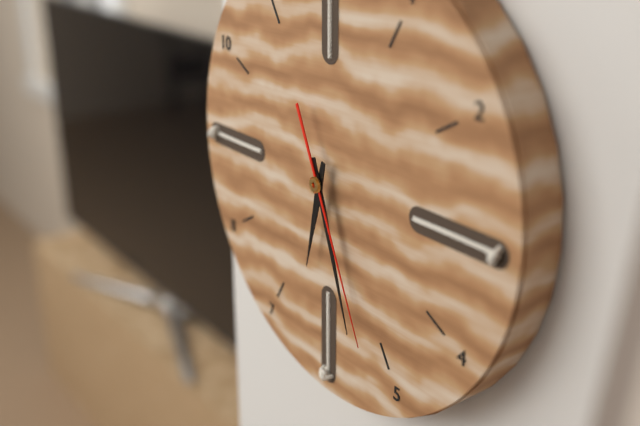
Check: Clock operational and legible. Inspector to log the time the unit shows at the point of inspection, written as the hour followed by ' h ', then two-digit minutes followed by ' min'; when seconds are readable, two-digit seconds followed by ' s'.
6 h 27 min 26 s
